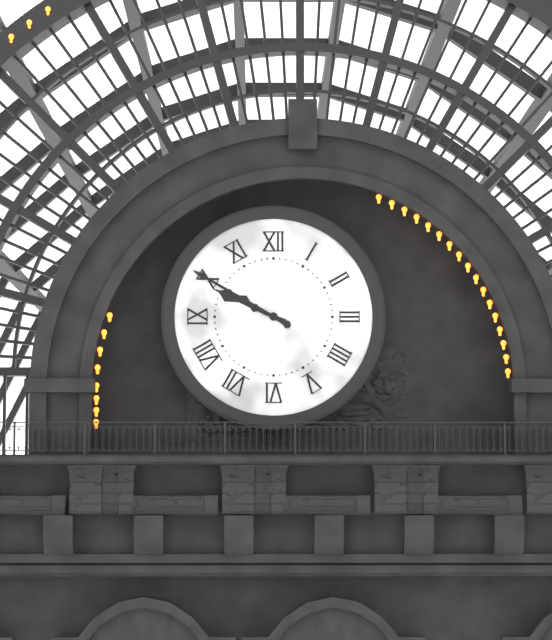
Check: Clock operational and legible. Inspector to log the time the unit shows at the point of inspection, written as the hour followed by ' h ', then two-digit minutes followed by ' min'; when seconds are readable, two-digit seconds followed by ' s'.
9 h 50 min
